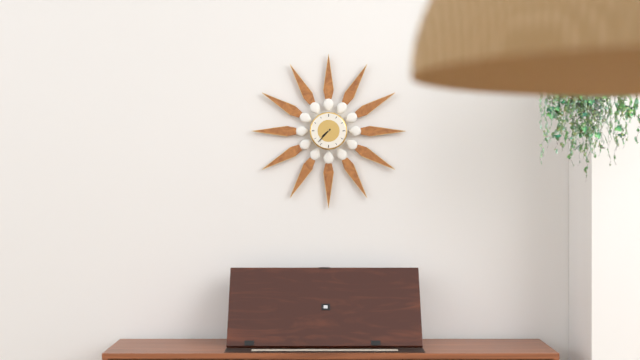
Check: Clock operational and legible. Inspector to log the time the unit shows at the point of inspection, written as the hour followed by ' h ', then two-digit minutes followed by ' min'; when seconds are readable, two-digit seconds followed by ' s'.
7 h 37 min
